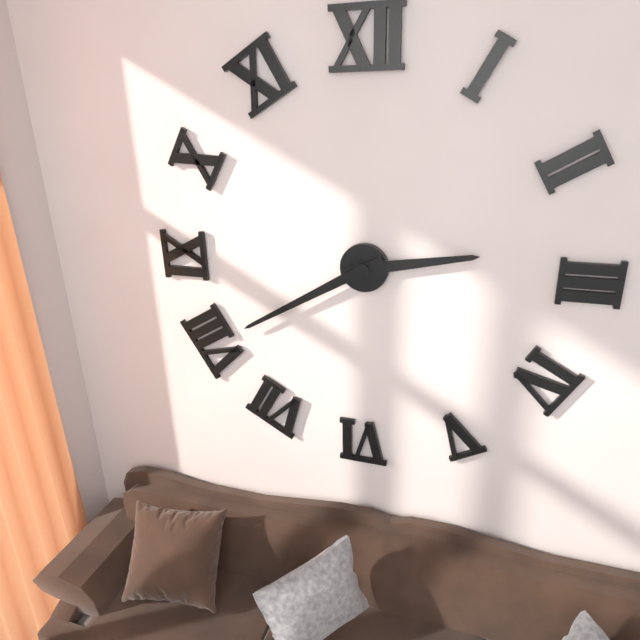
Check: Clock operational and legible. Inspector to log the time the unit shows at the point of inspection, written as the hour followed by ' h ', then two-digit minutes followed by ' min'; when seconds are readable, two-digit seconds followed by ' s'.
2 h 40 min
